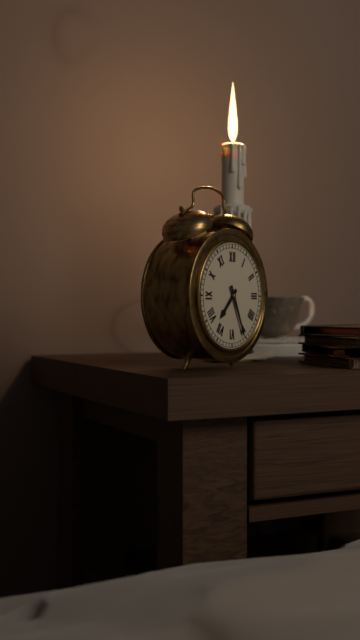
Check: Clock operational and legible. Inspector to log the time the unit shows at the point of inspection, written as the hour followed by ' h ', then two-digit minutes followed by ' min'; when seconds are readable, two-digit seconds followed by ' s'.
7 h 26 min
